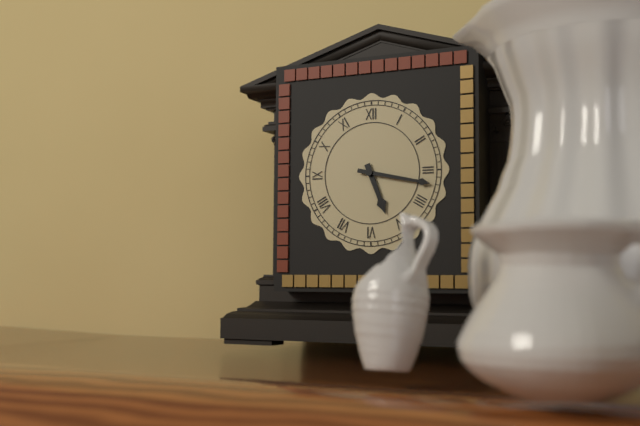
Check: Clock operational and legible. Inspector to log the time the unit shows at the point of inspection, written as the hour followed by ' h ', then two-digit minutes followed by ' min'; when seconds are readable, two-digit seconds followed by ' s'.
5 h 17 min
